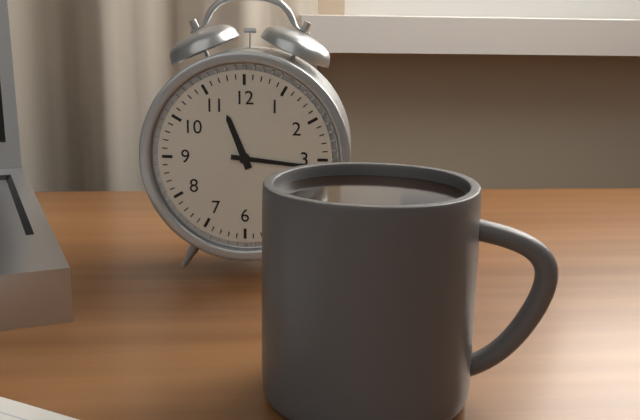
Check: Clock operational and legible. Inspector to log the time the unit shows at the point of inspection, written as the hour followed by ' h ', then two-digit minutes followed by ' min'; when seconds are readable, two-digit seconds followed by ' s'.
11 h 16 min
